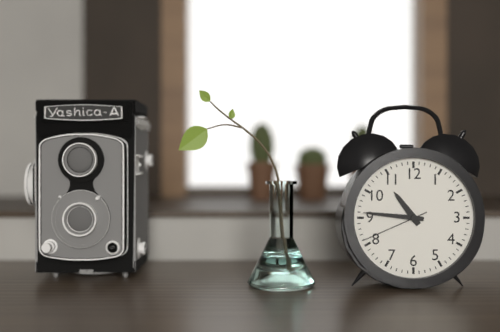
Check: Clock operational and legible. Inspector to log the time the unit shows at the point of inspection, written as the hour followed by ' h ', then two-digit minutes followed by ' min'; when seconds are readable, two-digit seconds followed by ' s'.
10 h 46 min 41 s
